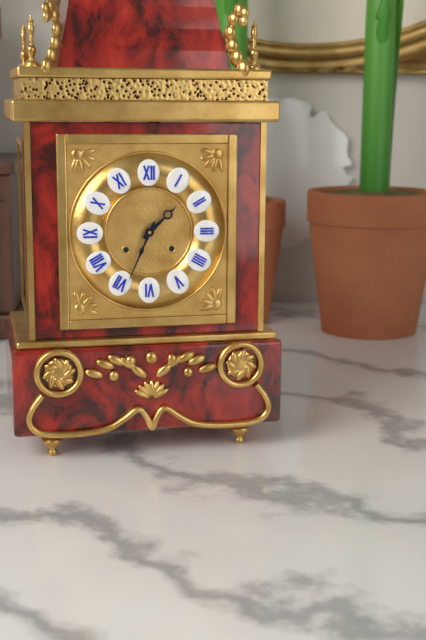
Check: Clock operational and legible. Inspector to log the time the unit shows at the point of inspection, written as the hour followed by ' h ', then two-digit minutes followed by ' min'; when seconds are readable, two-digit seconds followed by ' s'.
1 h 34 min
